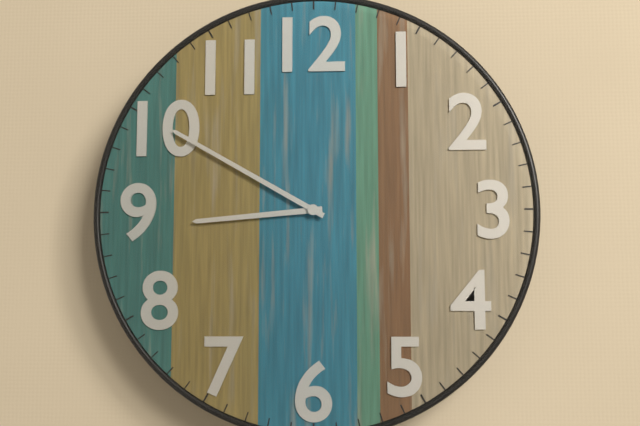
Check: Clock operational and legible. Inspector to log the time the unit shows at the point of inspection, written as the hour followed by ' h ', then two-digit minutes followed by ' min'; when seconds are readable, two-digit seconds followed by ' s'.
8 h 50 min
